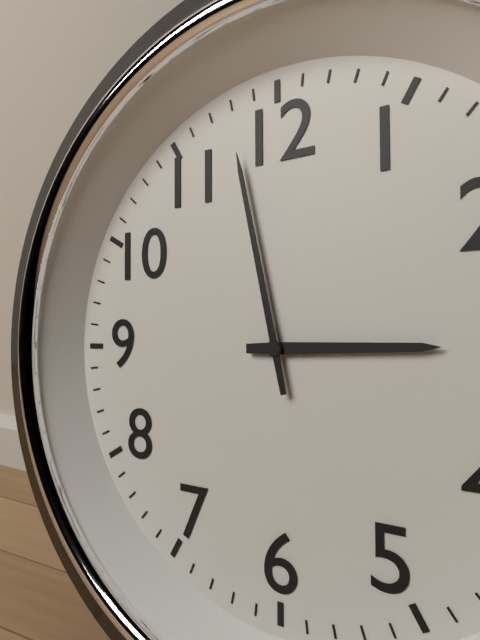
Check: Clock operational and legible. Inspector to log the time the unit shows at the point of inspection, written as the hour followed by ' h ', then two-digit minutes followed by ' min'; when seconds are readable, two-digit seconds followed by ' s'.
2 h 58 min
